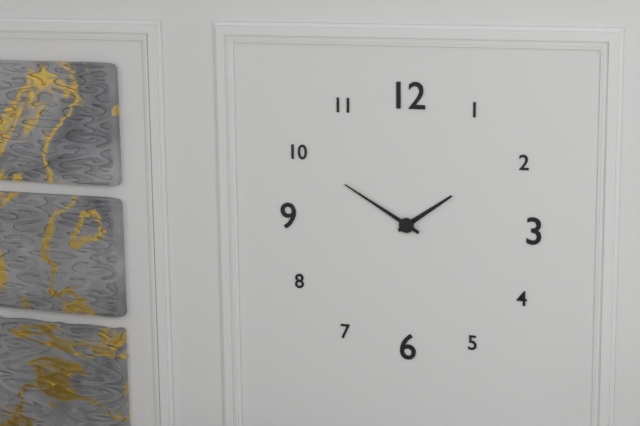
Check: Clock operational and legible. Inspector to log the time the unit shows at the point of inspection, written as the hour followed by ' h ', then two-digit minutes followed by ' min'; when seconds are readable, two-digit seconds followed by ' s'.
1 h 50 min
